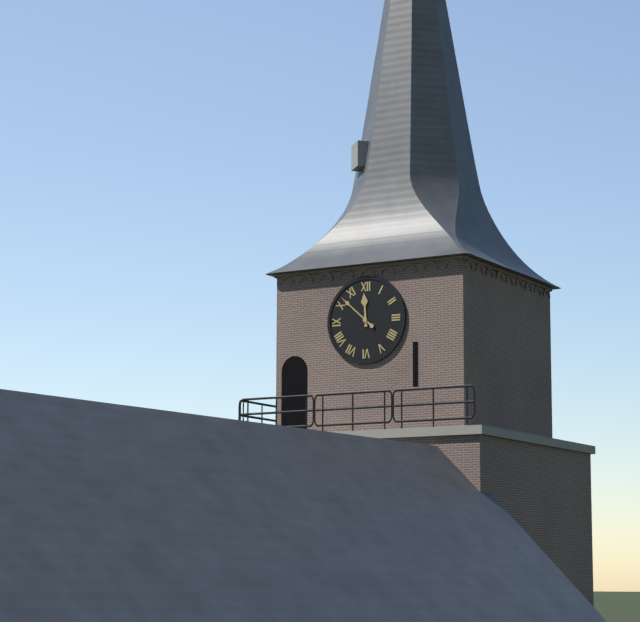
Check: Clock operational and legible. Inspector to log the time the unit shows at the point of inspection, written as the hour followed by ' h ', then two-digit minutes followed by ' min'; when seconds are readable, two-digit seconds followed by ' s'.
11 h 52 min
